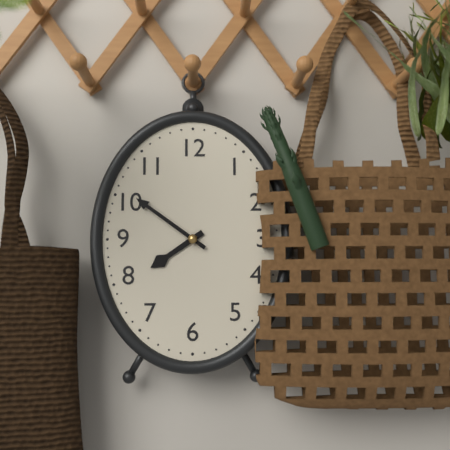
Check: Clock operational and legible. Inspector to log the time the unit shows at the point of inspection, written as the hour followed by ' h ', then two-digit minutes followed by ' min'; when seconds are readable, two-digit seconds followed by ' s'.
7 h 51 min
